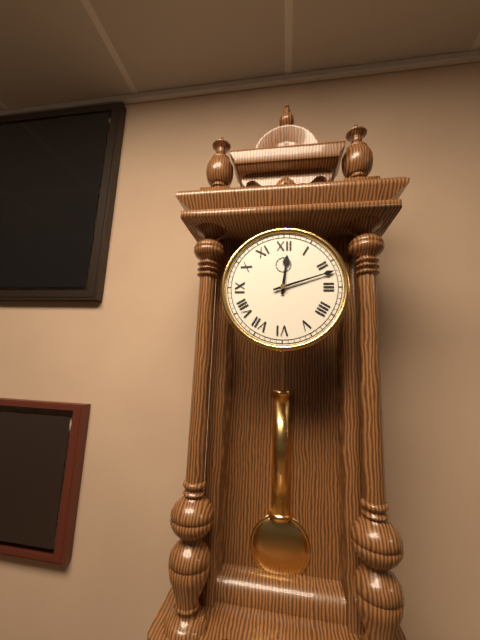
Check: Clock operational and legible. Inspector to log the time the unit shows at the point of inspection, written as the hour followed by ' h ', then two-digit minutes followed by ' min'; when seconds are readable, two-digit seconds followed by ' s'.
12 h 12 min
